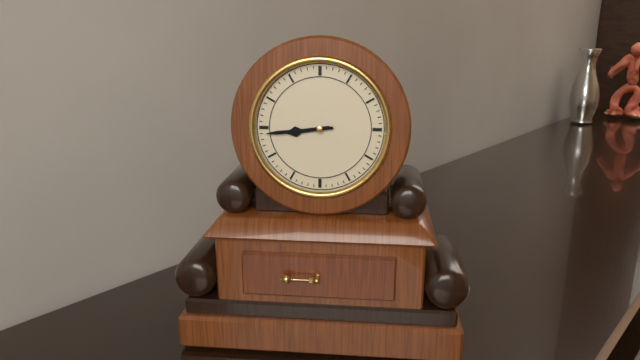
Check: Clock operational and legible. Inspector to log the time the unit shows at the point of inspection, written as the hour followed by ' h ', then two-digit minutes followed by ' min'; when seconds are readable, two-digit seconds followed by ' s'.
8 h 44 min
